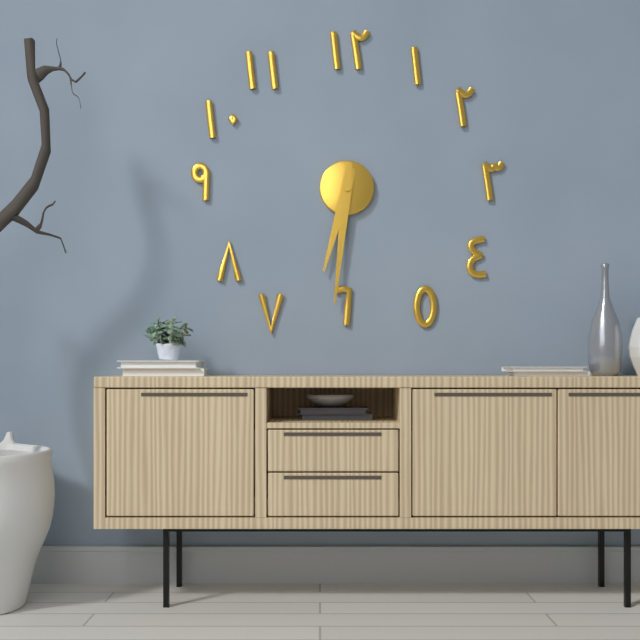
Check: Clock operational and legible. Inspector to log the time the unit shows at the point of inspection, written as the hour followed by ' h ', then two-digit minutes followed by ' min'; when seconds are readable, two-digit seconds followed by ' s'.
6 h 31 min
